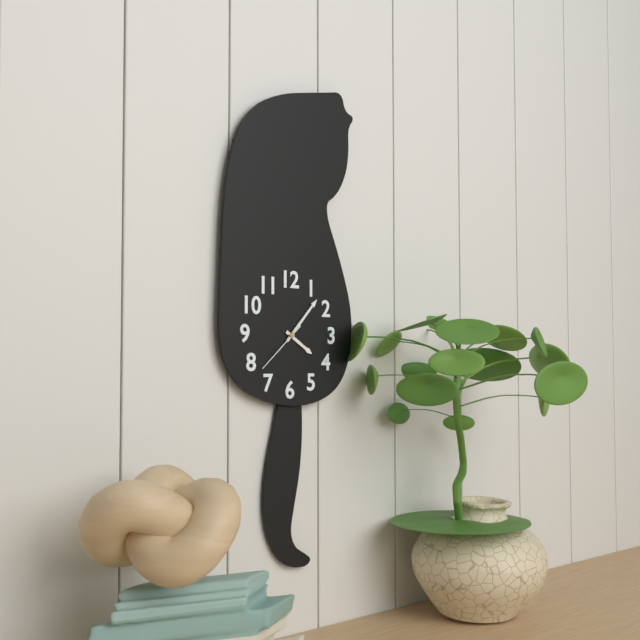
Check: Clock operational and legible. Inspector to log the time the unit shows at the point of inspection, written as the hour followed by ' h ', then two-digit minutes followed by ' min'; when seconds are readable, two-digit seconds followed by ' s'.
4 h 07 min 38 s
